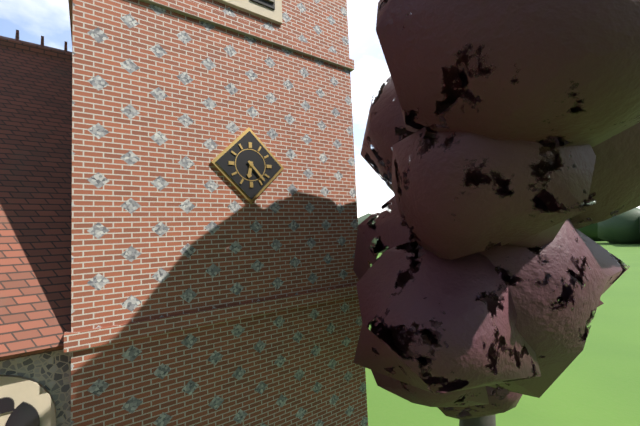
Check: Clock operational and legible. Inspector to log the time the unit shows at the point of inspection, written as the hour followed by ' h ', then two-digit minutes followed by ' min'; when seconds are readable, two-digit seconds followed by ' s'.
6 h 23 min
